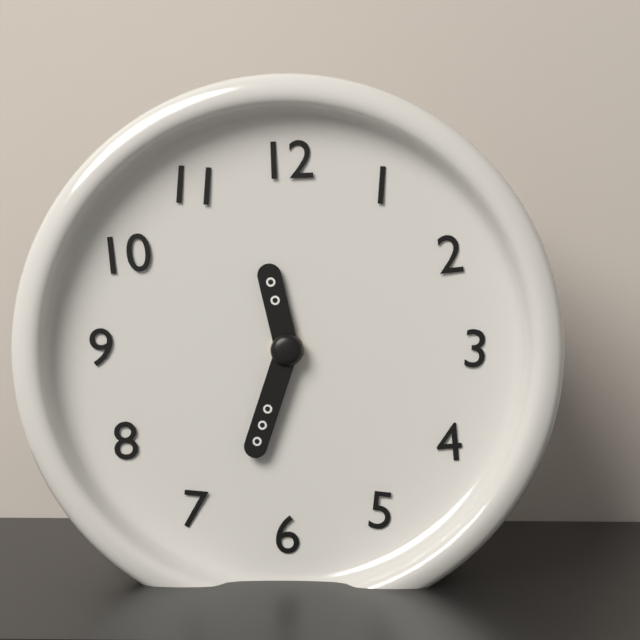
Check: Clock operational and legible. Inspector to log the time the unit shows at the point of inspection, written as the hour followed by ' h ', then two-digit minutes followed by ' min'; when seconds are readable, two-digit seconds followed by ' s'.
11 h 33 min
